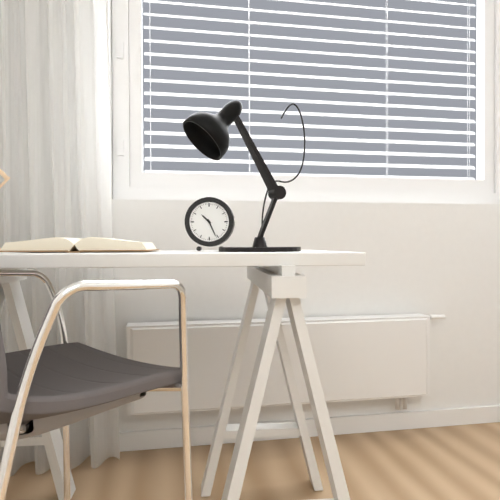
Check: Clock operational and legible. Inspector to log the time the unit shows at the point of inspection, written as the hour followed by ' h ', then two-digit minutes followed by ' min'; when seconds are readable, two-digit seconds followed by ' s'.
10 h 26 min
